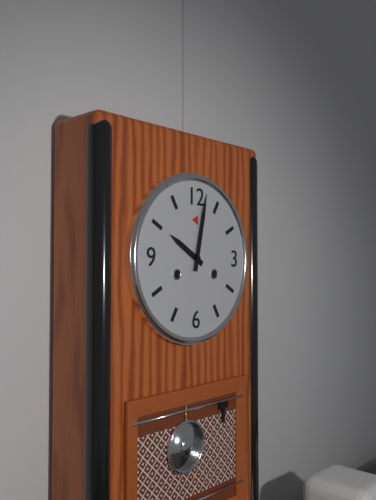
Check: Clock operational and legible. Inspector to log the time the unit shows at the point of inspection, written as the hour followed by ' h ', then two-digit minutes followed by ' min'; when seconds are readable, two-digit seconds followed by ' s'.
10 h 02 min
